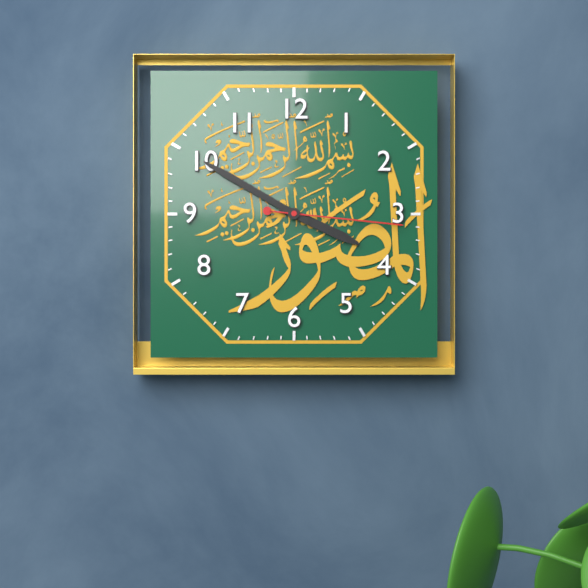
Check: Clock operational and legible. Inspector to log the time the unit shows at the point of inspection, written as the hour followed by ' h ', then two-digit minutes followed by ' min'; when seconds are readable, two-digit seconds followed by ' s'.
3 h 50 min 16 s
